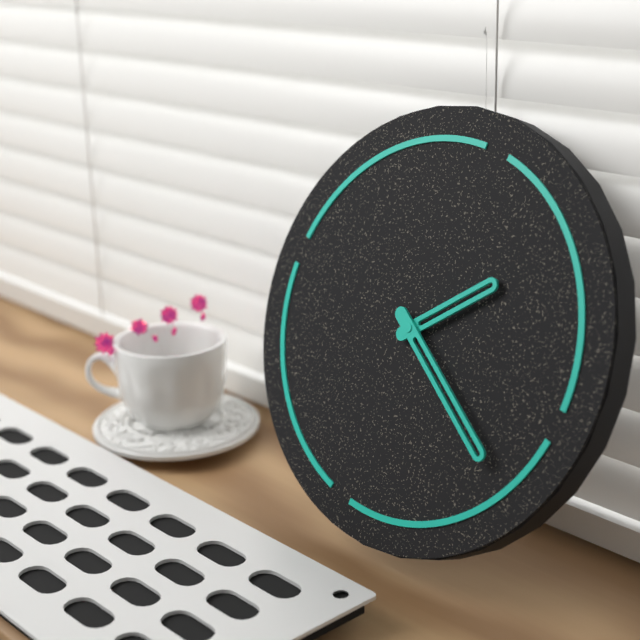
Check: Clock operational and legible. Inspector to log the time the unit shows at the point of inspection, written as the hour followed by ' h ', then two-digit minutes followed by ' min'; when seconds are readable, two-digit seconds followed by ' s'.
1 h 19 min
